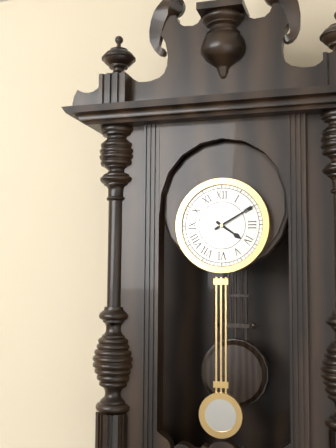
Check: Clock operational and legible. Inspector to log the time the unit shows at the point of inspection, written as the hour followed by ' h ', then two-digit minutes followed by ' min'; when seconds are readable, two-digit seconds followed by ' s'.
4 h 10 min
